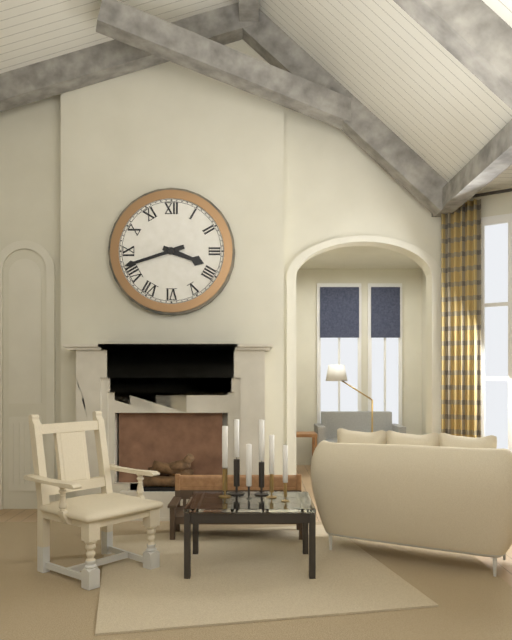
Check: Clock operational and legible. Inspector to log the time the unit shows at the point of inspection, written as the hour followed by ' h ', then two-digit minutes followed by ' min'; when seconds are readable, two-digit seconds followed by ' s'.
3 h 42 min
